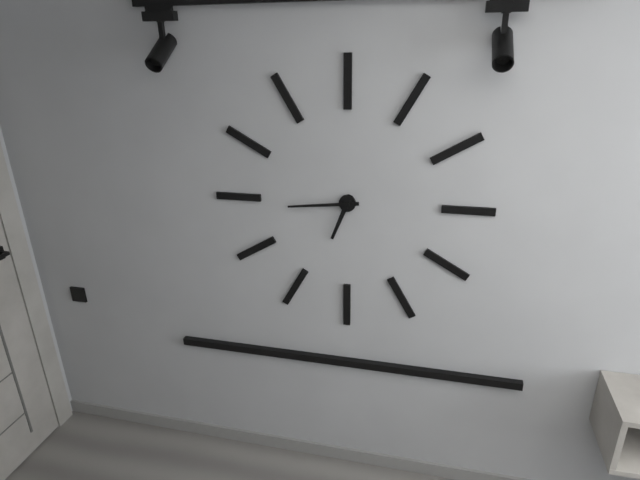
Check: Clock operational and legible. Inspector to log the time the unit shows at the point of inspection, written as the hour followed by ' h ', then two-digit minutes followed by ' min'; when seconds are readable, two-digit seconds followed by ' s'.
6 h 44 min
